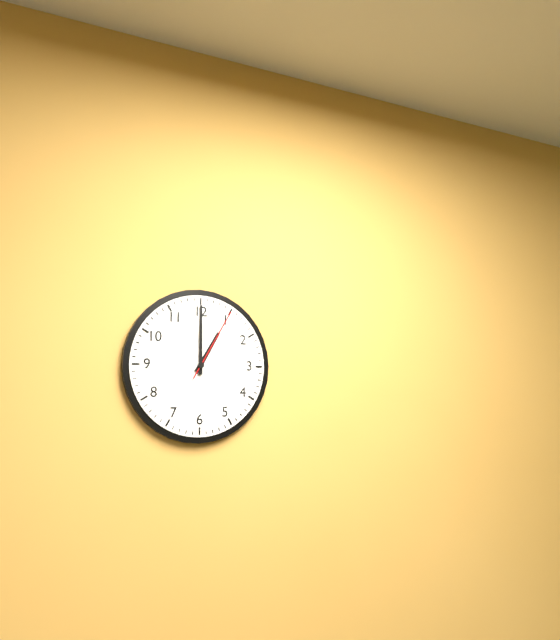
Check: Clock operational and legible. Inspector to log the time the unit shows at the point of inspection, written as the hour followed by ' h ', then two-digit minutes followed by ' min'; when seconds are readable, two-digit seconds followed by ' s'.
1 h 00 min 05 s
